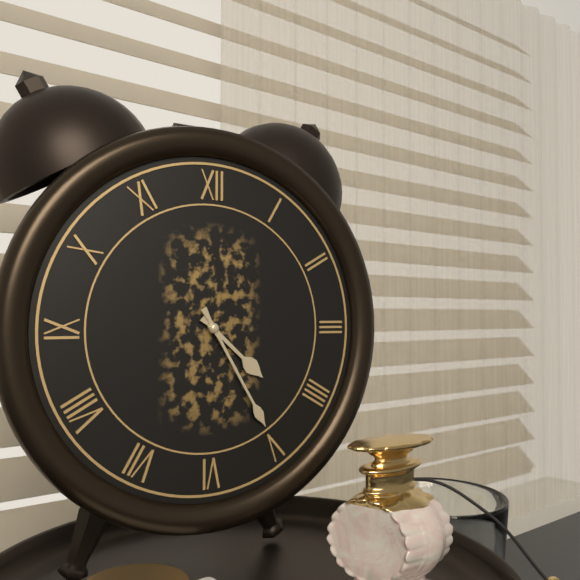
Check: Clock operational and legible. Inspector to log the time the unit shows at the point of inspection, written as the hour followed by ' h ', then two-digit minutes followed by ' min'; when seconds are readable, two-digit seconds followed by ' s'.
4 h 25 min
